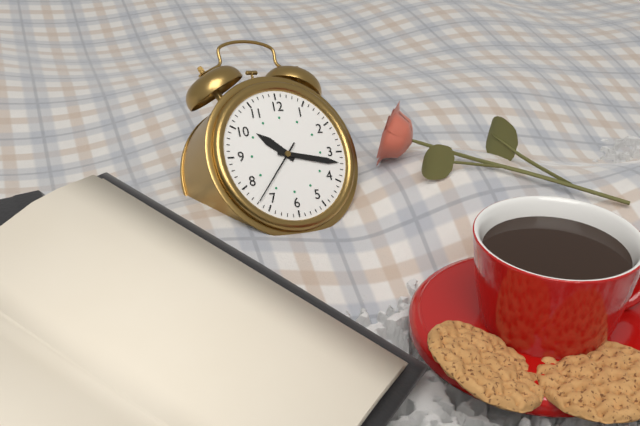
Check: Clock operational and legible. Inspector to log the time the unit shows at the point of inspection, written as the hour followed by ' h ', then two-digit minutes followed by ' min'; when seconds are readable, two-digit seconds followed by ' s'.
10 h 17 min 37 s
